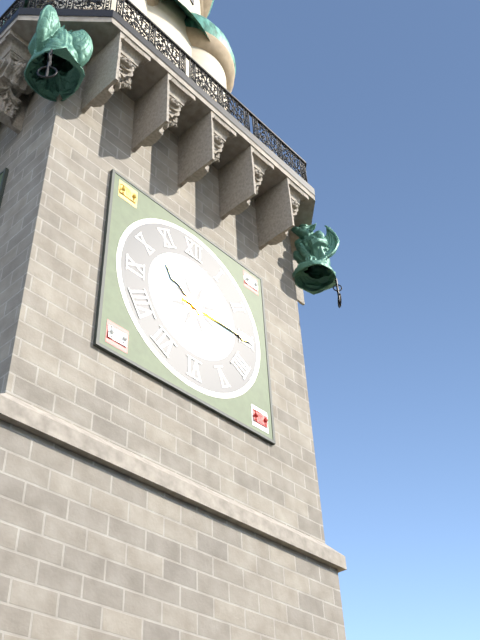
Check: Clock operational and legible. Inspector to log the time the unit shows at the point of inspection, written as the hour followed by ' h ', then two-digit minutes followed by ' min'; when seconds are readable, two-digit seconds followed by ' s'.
10 h 15 min
